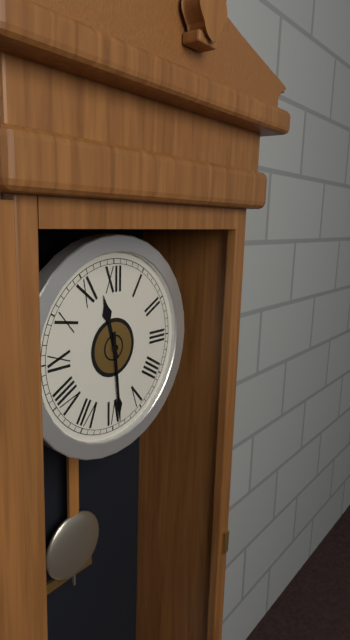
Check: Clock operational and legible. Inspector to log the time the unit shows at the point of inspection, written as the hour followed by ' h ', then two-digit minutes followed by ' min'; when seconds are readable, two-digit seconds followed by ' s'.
11 h 29 min
